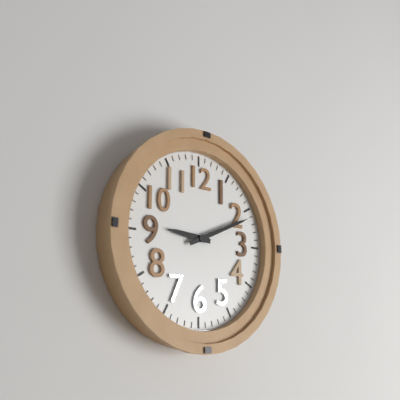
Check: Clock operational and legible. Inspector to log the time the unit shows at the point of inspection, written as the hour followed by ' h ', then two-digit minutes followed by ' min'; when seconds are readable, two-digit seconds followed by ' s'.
9 h 11 min
